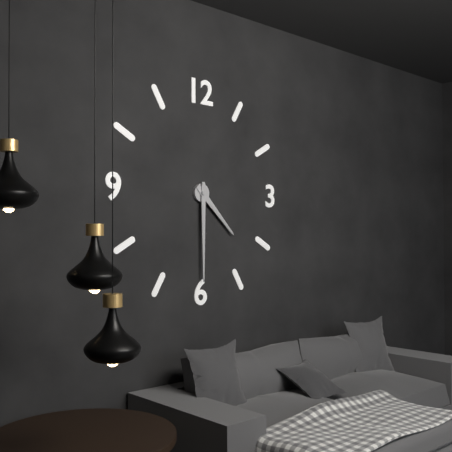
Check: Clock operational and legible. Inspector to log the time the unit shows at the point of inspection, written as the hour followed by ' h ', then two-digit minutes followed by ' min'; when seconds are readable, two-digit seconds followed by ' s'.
4 h 30 min
